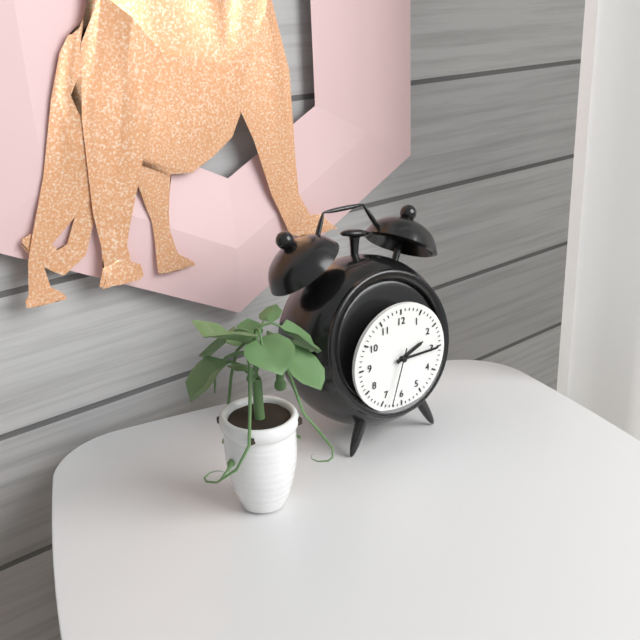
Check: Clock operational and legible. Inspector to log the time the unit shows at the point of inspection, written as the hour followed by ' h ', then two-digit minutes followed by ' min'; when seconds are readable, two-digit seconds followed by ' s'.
2 h 15 min 33 s
